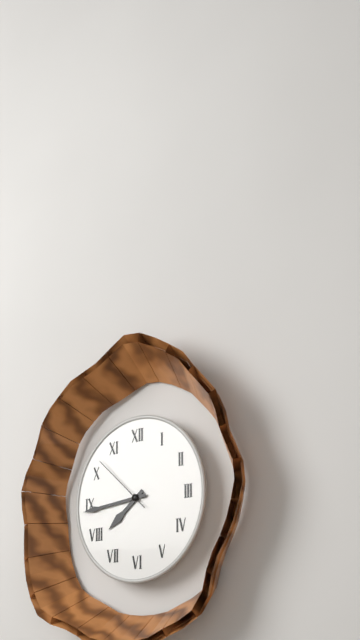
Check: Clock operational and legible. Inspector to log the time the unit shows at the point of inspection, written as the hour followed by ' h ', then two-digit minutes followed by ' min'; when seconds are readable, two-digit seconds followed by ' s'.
7 h 44 min 52 s
